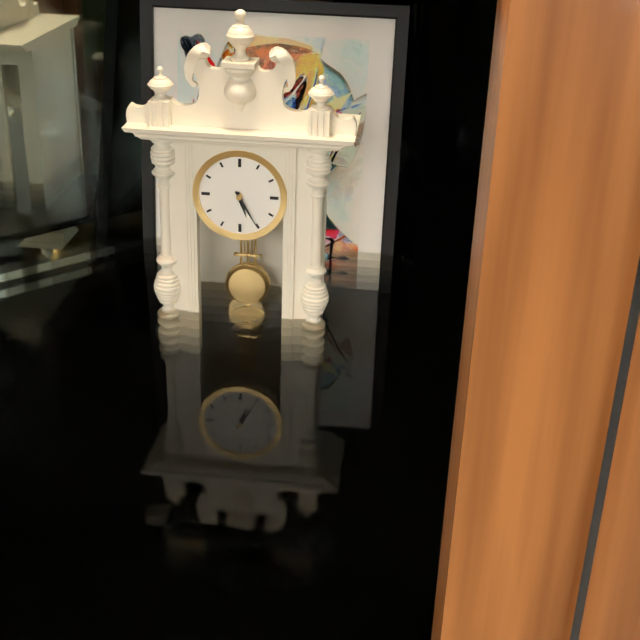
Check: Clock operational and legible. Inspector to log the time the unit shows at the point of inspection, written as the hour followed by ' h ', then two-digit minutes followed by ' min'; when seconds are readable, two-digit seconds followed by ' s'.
5 h 25 min
